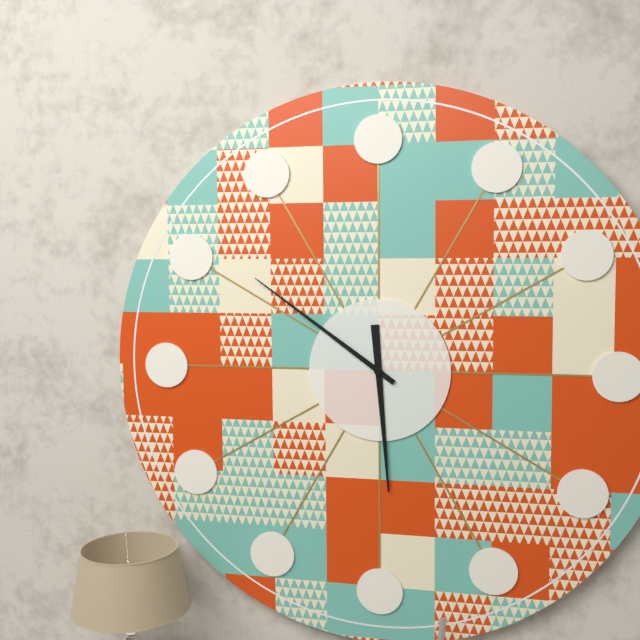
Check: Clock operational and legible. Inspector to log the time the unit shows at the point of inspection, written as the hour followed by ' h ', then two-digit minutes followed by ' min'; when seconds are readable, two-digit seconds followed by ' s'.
5 h 51 min
